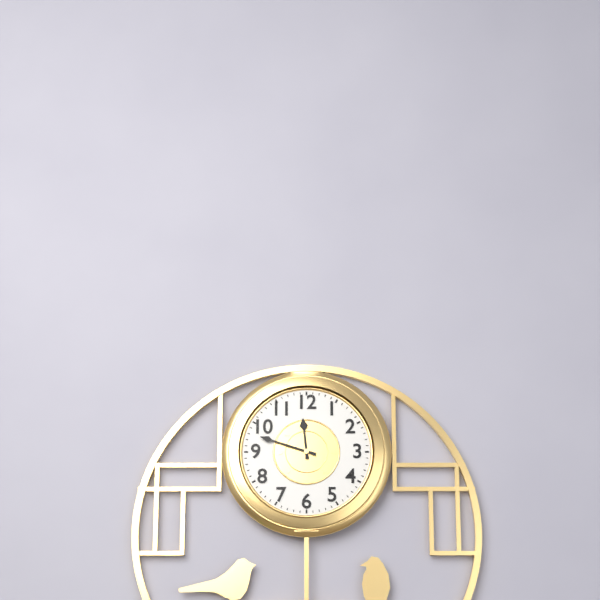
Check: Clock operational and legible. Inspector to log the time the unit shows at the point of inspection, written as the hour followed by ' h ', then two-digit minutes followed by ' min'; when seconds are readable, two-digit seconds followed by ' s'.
11 h 48 min
